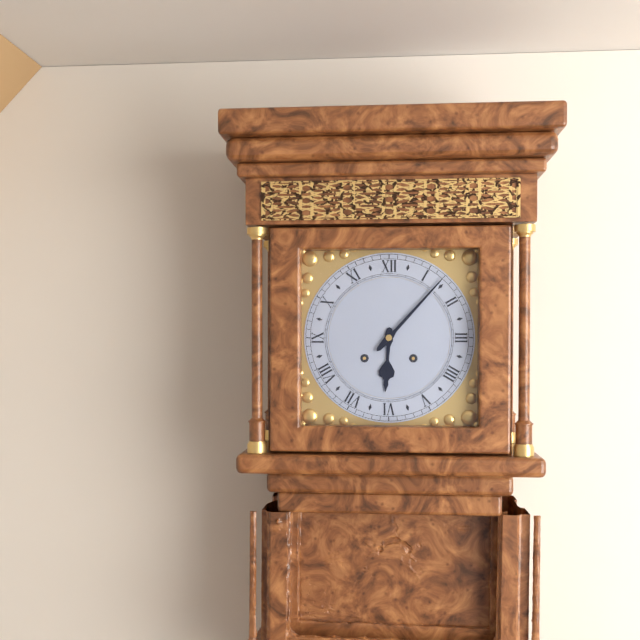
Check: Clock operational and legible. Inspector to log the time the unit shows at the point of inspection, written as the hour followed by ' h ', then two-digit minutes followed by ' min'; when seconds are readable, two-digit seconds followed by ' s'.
6 h 07 min
